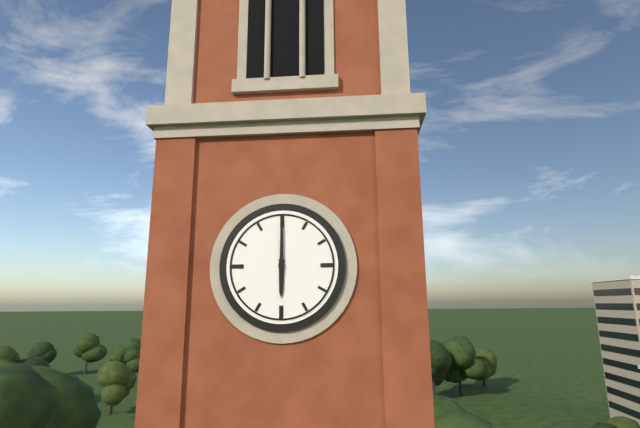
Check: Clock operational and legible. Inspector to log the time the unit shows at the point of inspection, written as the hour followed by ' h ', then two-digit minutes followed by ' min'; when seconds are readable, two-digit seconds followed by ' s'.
6 h 00 min
